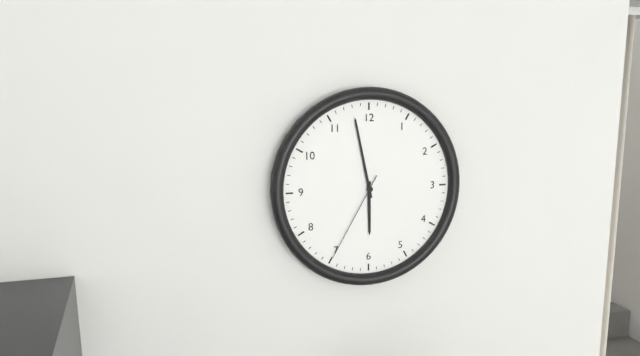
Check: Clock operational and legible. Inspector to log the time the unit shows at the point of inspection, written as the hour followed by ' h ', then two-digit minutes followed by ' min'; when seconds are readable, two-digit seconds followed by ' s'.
5 h 58 min 35 s
